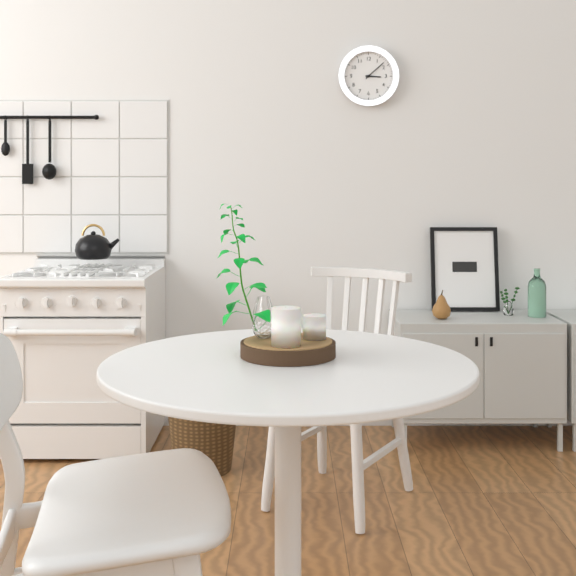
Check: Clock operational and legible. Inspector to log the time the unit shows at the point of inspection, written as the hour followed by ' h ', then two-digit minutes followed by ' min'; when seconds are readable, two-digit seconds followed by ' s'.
3 h 08 min
